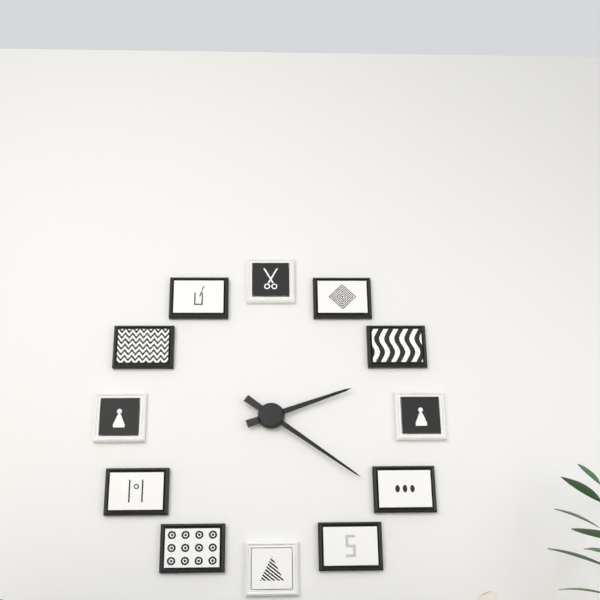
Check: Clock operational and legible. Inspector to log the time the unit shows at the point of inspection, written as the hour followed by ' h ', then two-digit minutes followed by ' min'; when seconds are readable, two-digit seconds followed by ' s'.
2 h 21 min
